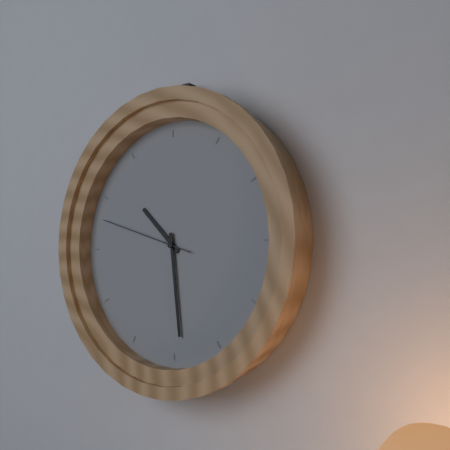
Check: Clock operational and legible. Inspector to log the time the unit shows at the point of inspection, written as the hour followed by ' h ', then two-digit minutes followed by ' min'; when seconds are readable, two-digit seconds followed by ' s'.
10 h 29 min 48 s
